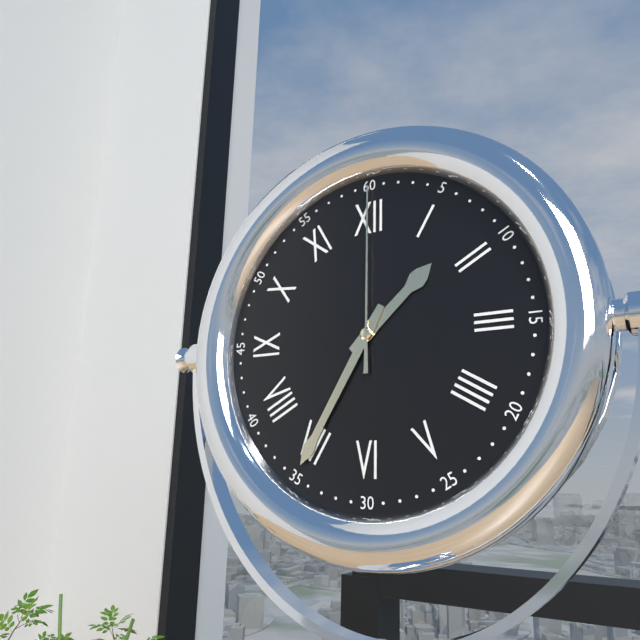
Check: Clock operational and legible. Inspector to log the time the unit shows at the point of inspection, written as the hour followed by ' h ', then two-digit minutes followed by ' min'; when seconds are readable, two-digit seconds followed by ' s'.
1 h 35 min 00 s
